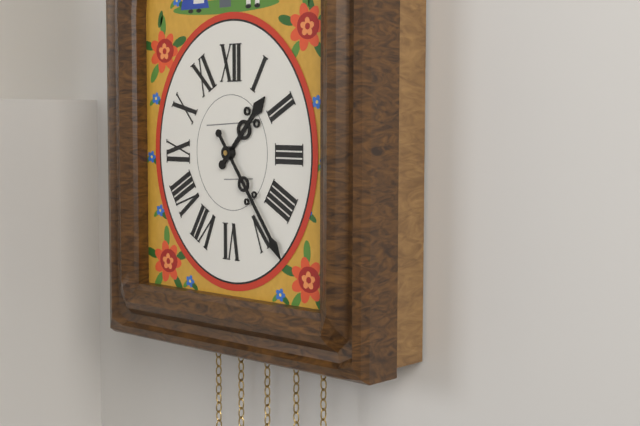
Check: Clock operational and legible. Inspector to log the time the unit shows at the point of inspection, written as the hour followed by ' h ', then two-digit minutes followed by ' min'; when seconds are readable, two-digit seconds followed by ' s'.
1 h 24 min
